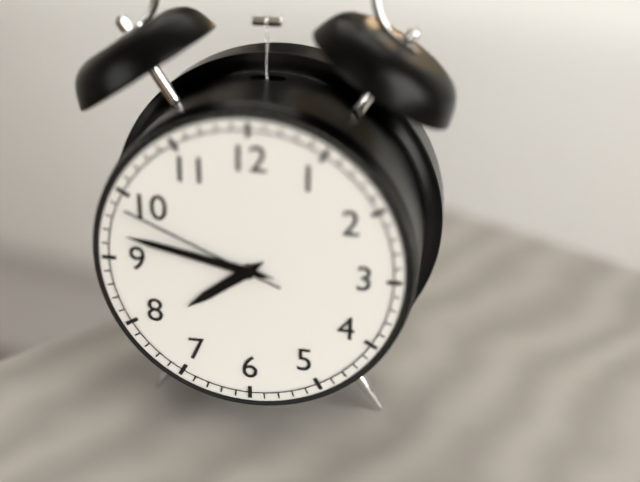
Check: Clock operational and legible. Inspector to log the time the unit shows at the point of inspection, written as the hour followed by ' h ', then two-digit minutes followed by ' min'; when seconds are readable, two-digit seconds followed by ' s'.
7 h 47 min 49 s
